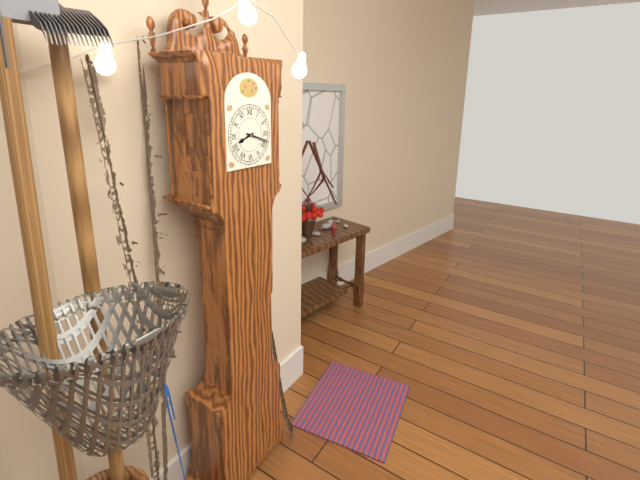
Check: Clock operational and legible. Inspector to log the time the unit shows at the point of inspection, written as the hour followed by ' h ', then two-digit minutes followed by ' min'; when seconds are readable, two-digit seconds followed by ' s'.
8 h 18 min
